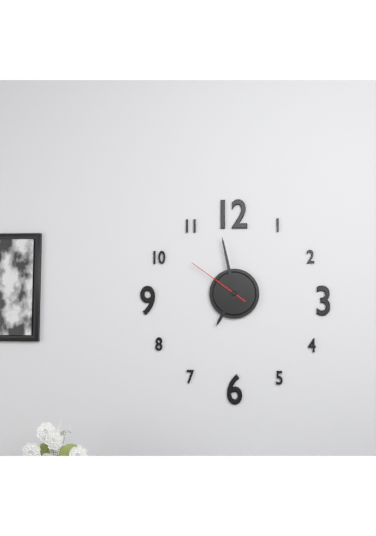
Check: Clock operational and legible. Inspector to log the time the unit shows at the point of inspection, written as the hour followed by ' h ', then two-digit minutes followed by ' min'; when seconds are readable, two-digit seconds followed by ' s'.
6 h 58 min 51 s
